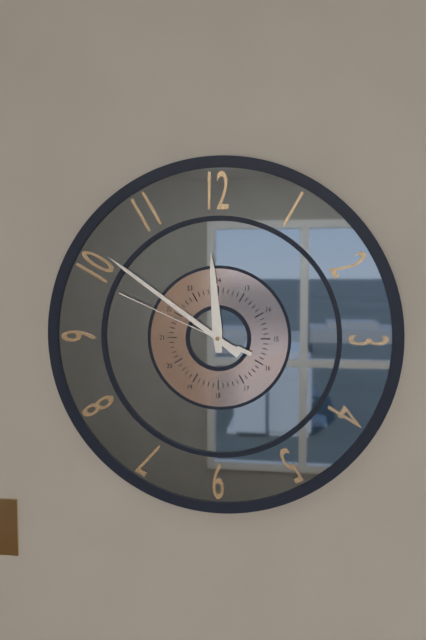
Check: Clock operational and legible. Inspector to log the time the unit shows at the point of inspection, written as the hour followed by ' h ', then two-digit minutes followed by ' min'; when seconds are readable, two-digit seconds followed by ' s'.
11 h 51 min 49 s
